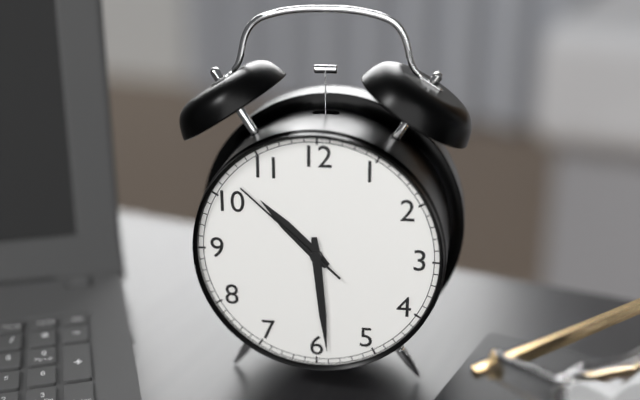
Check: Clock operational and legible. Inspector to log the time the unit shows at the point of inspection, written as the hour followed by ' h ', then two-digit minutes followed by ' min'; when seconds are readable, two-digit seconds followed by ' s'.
10 h 29 min 52 s
